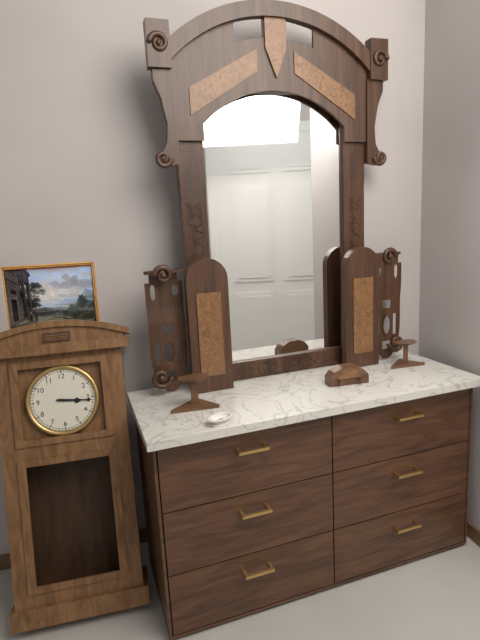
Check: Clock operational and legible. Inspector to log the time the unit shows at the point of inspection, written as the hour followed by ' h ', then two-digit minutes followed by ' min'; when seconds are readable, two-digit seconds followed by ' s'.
3 h 16 min
